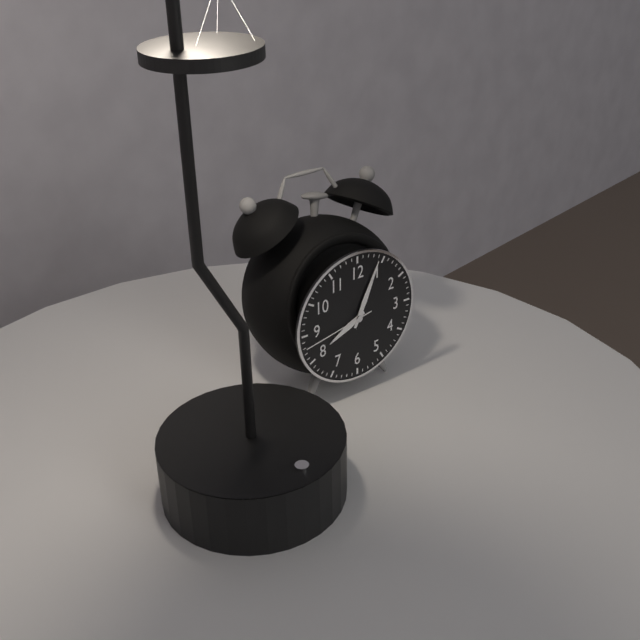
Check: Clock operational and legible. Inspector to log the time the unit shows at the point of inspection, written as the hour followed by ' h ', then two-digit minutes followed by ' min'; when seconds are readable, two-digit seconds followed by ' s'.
8 h 04 min 43 s
